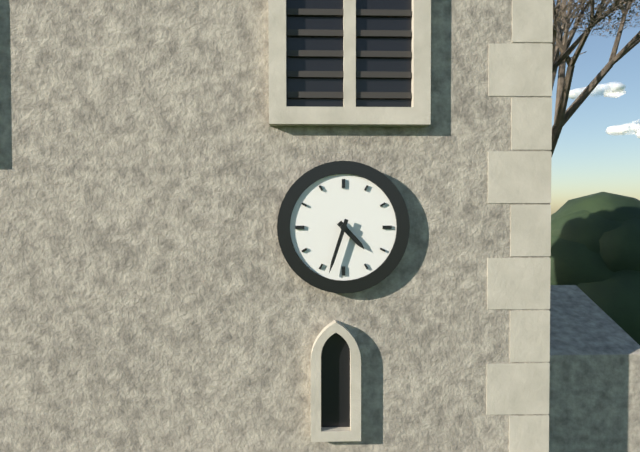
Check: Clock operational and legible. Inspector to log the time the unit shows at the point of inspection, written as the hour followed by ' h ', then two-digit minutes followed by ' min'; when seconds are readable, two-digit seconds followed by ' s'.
4 h 33 min
